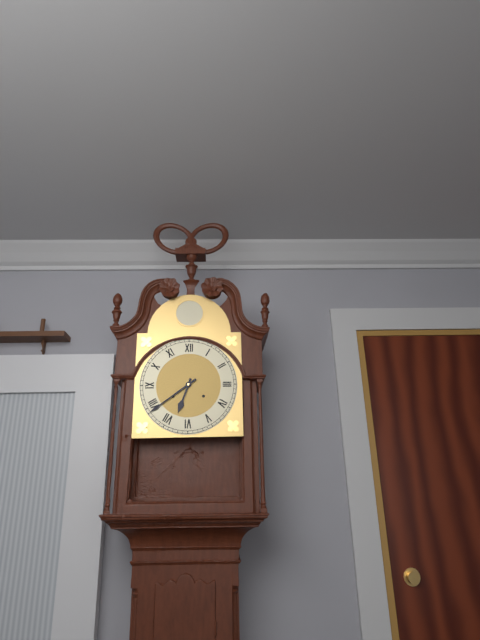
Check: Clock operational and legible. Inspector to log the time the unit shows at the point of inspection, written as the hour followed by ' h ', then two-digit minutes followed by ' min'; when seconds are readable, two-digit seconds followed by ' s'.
6 h 39 min
